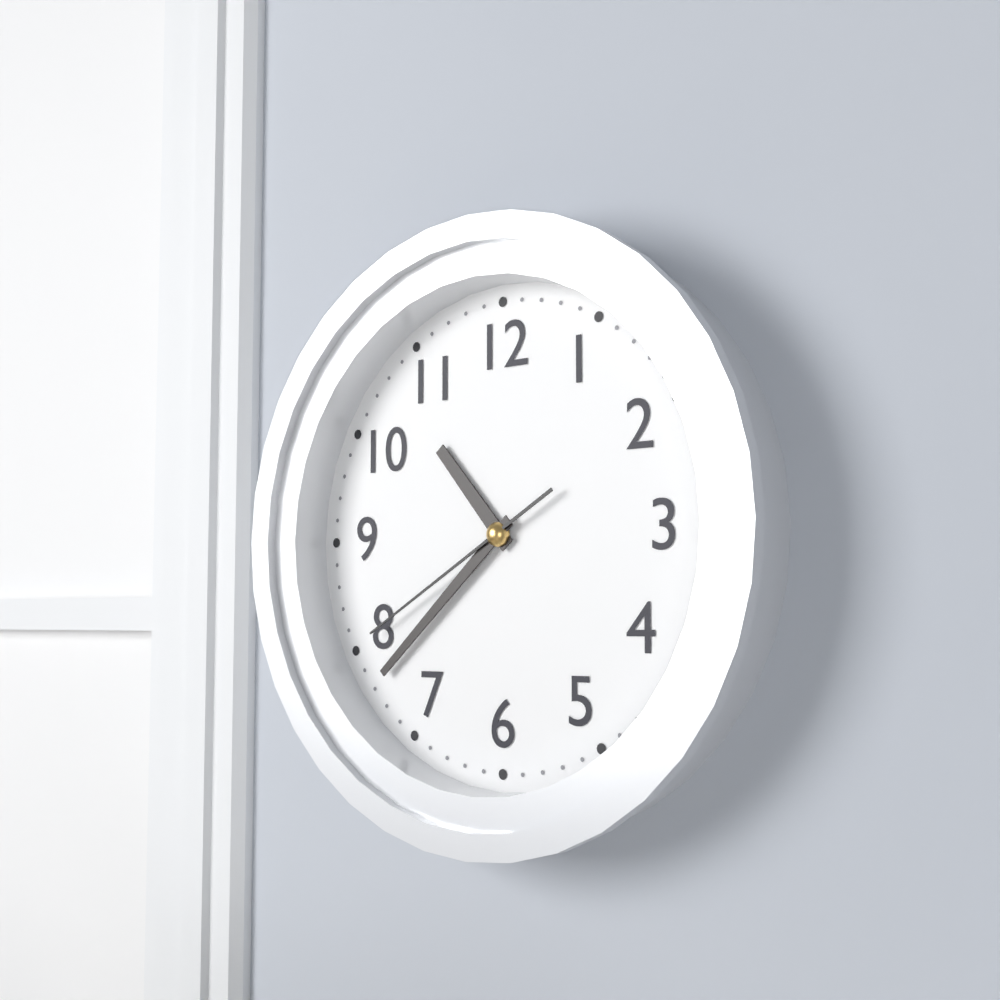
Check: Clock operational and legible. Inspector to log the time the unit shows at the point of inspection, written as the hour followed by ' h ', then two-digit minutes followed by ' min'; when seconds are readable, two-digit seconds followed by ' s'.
10 h 38 min 40 s
